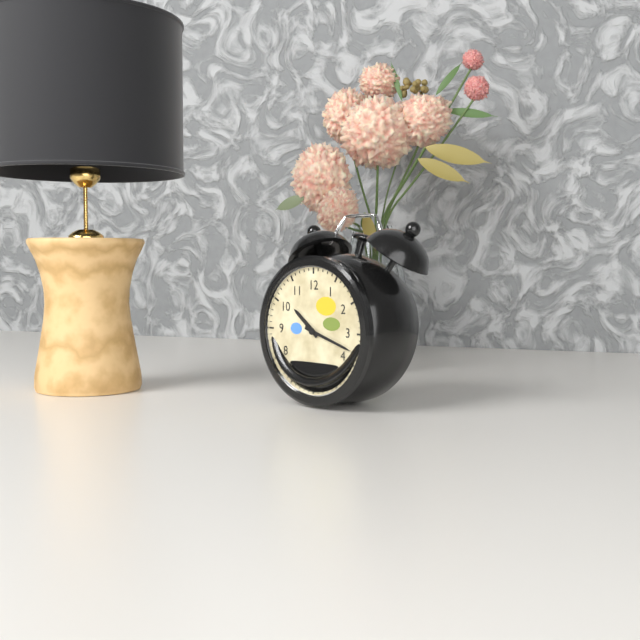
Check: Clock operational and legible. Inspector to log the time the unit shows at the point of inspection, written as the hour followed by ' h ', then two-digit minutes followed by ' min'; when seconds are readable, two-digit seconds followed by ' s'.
10 h 18 min
